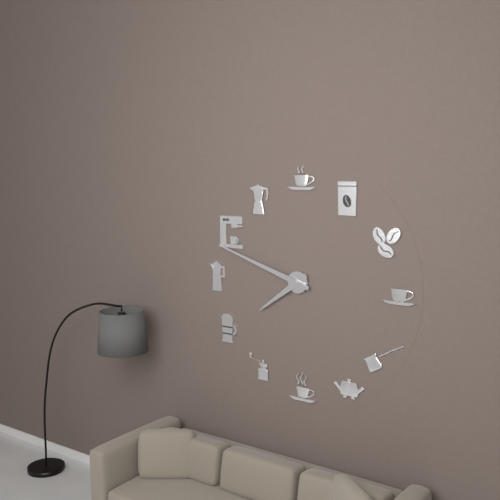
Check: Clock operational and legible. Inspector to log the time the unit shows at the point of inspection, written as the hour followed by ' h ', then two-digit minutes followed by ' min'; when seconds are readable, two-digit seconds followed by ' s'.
7 h 48 min
